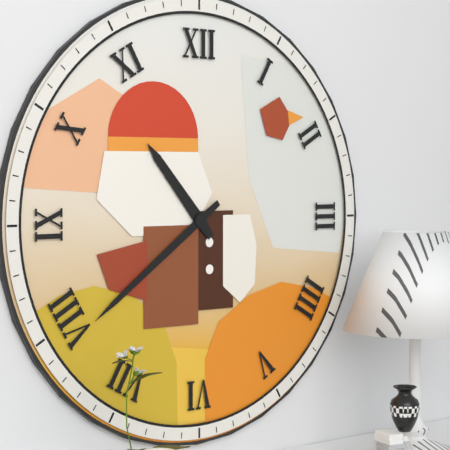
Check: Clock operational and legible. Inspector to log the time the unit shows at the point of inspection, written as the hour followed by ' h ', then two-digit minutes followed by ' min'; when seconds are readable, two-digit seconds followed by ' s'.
10 h 39 min
